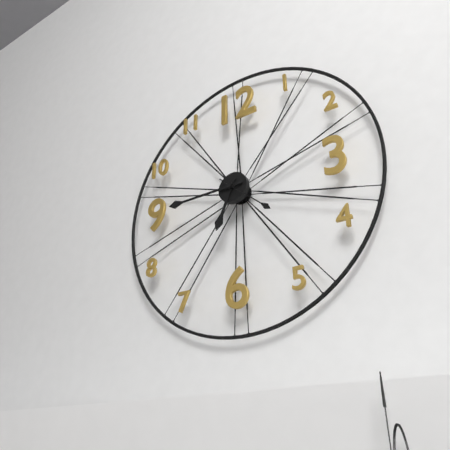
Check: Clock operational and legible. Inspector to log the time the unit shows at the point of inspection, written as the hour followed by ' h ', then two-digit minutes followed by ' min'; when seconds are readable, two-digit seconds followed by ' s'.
6 h 45 min 22 s
